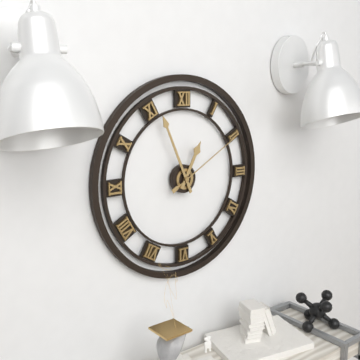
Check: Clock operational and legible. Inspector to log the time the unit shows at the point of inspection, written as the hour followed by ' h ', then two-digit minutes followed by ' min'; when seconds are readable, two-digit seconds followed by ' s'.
12 h 56 min 10 s
